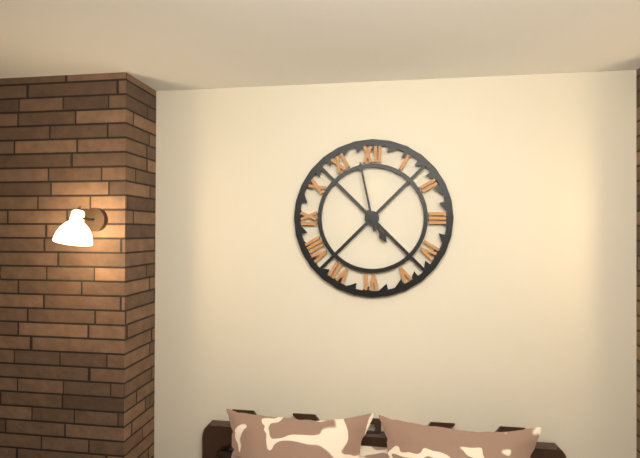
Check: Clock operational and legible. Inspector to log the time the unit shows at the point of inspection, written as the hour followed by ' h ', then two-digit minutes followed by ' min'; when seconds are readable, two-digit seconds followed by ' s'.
4 h 58 min
